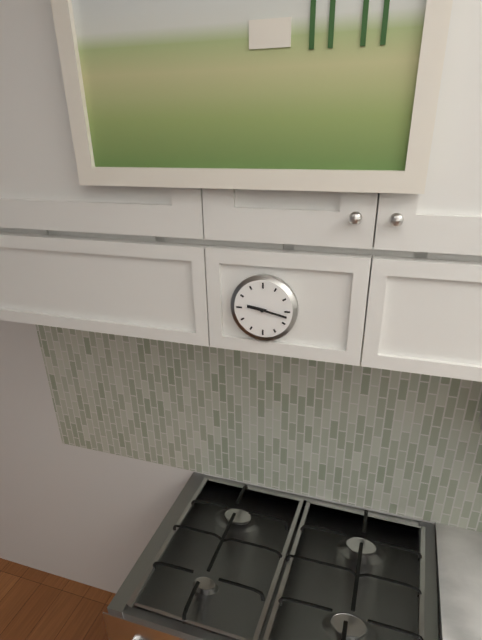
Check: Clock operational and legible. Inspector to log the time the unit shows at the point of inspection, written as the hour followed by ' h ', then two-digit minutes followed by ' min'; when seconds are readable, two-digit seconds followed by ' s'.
9 h 17 min
